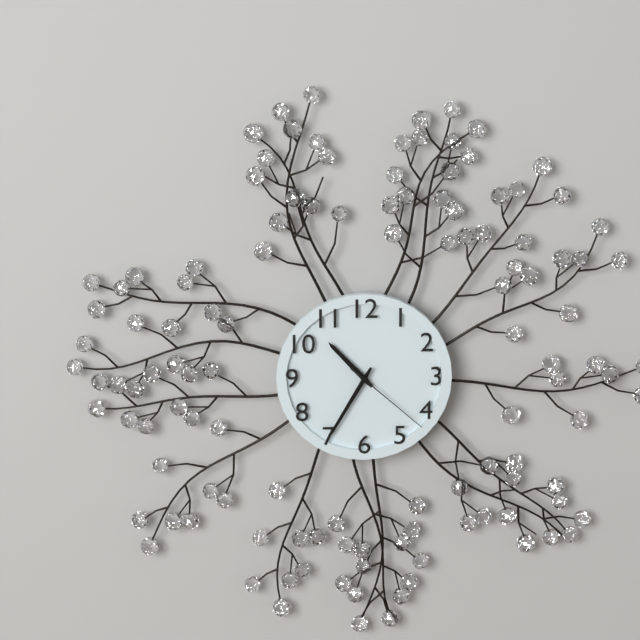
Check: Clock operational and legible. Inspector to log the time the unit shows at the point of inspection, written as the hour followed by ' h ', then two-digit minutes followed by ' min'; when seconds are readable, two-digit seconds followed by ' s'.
10 h 35 min 22 s
